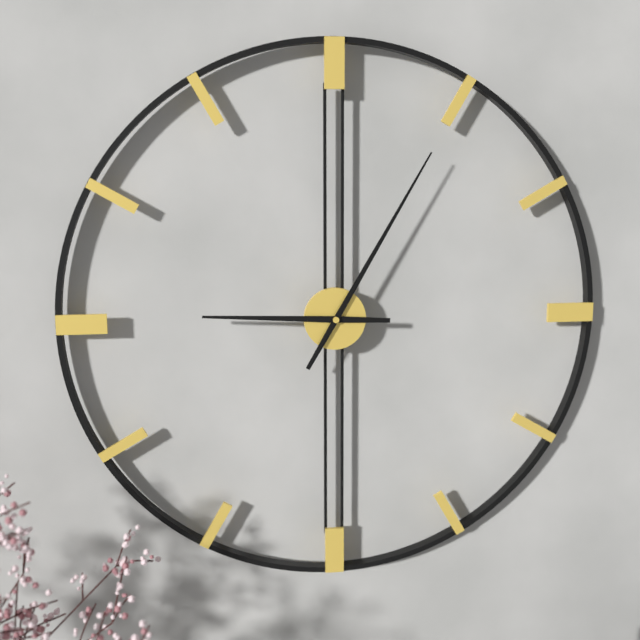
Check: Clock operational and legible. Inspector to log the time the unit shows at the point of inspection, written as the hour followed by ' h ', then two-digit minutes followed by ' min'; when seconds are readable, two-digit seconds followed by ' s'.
9 h 05 min
